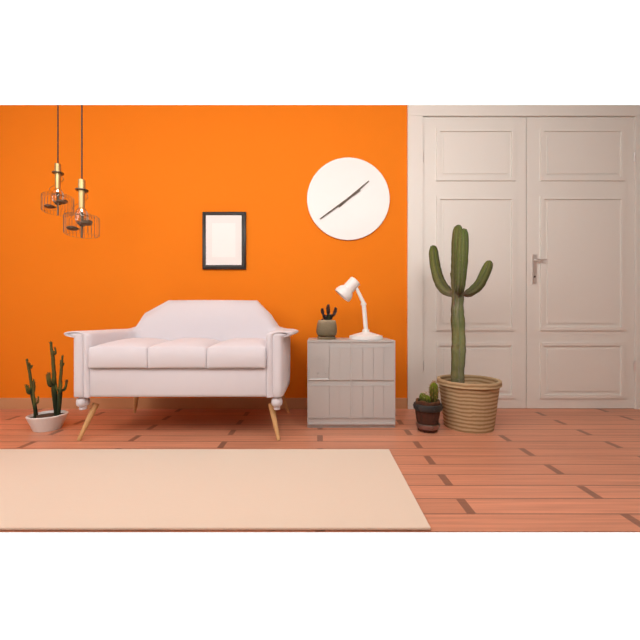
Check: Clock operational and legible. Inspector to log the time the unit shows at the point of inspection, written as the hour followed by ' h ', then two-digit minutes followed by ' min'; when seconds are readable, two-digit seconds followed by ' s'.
1 h 39 min
